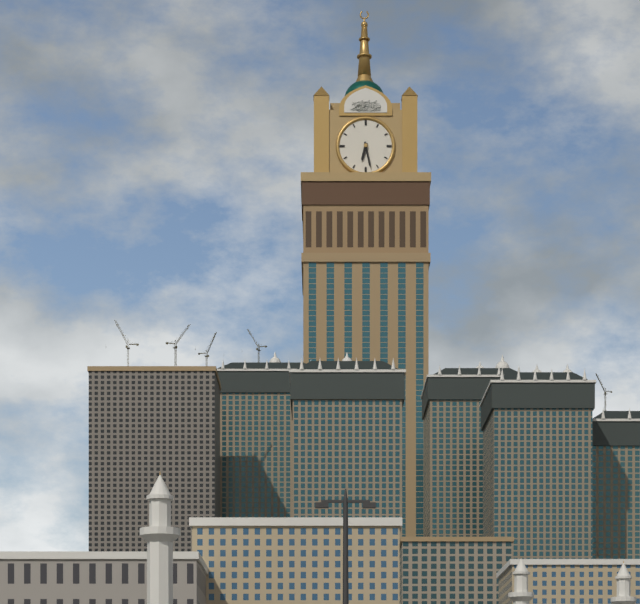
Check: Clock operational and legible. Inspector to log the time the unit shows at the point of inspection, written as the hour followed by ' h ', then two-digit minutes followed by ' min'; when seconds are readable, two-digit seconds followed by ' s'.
6 h 28 min
